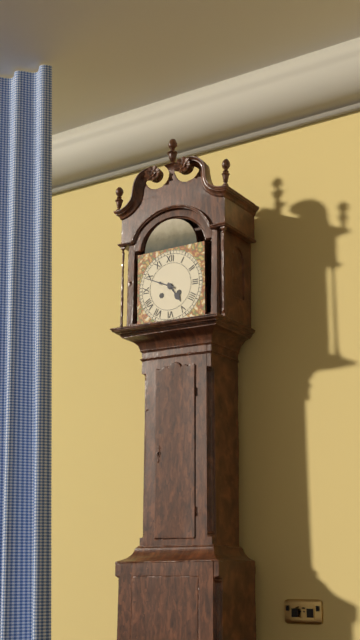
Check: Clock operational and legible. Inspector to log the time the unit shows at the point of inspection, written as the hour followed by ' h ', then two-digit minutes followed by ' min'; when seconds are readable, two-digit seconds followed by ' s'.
4 h 49 min
